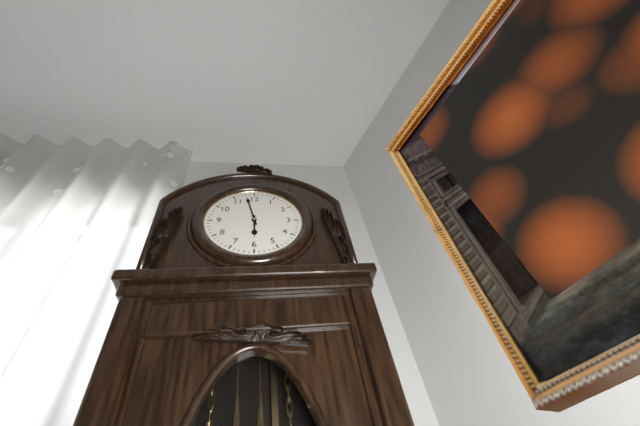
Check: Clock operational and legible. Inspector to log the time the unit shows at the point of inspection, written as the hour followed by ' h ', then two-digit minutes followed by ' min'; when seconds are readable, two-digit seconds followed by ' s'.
5 h 58 min
